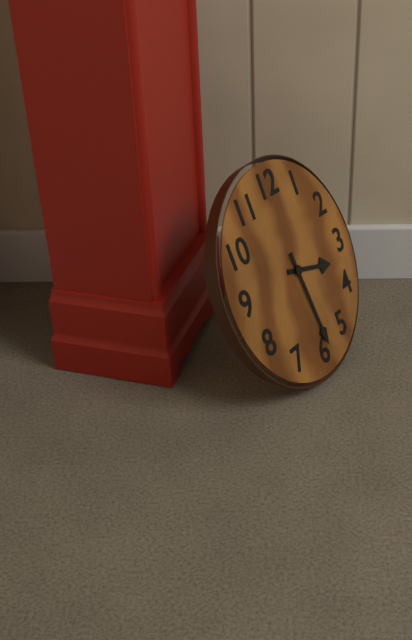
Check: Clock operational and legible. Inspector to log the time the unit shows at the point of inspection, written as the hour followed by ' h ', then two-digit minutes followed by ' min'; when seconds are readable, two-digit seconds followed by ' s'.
3 h 29 min
